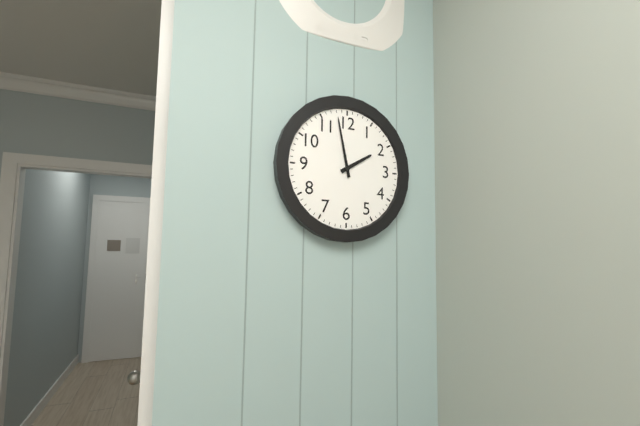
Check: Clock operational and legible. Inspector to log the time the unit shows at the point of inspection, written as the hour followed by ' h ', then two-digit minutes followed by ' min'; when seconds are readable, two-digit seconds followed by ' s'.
1 h 58 min
